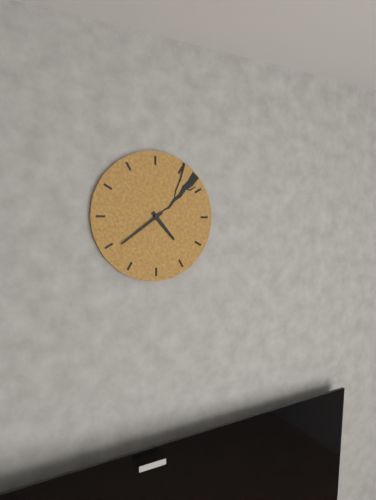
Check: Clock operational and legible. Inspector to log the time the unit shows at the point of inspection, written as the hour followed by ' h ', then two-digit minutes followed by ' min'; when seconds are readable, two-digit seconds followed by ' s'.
4 h 39 min
